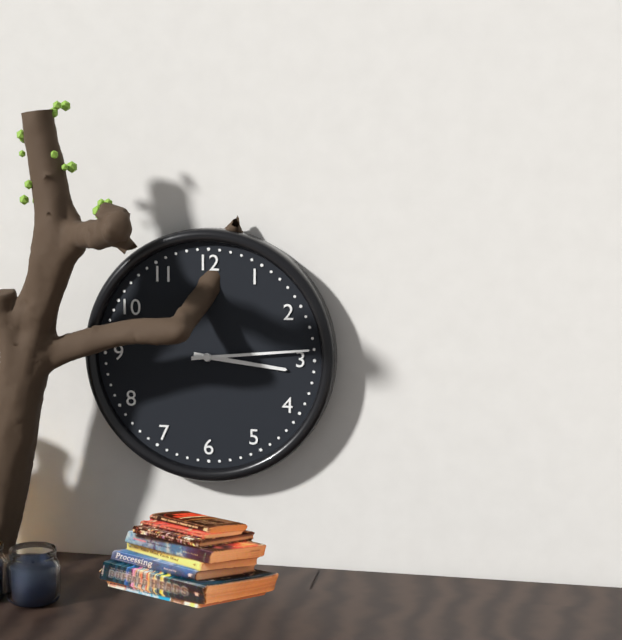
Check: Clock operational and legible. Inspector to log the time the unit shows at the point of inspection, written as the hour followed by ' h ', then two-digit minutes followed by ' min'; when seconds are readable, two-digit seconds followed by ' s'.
3 h 14 min
